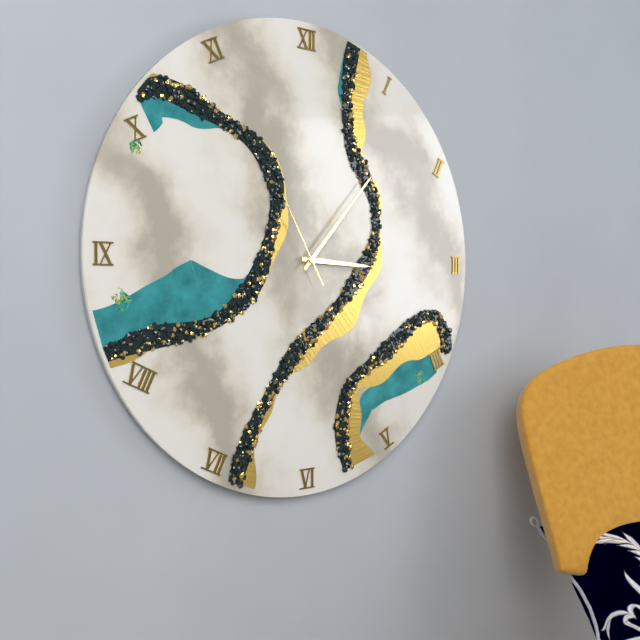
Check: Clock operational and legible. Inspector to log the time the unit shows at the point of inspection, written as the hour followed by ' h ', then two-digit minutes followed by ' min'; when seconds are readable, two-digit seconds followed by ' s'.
3 h 07 min 55 s
